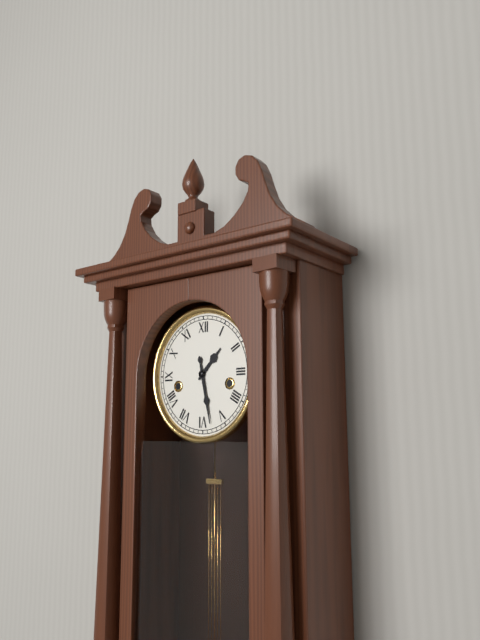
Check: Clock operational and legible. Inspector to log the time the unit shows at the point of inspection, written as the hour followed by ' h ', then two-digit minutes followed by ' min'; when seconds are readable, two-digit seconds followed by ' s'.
1 h 28 min
